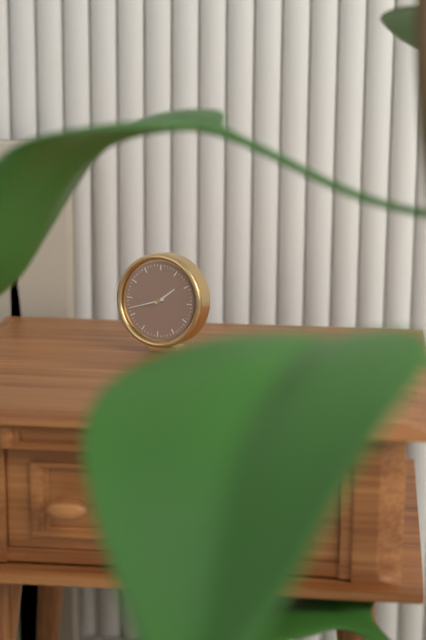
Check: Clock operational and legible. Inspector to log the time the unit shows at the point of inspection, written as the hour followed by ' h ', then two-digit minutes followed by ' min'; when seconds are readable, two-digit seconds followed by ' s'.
1 h 42 min
